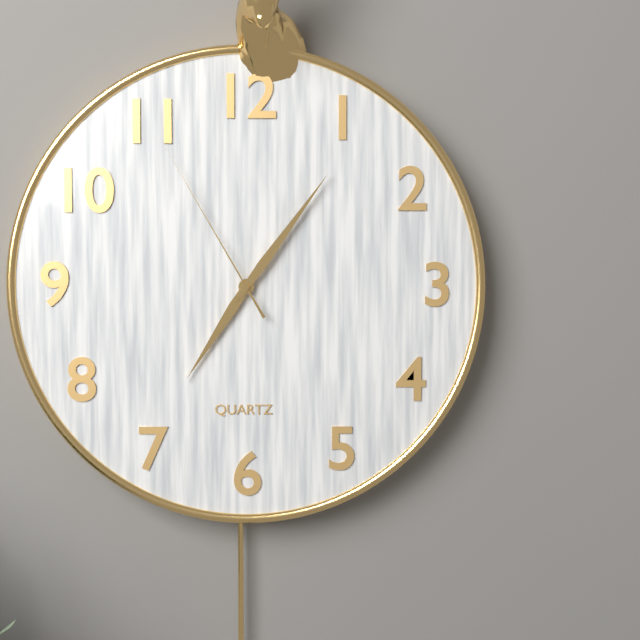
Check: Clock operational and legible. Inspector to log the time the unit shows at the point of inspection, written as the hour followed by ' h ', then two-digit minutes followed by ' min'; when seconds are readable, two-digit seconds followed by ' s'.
7 h 06 min 55 s
